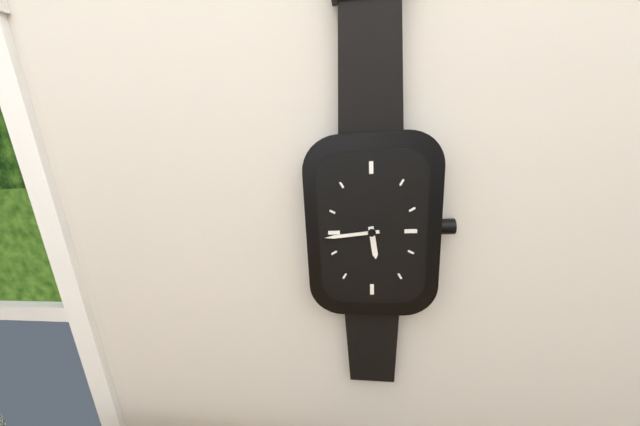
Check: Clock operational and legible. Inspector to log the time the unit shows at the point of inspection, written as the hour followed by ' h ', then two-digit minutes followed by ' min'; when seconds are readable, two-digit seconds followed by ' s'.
5 h 44 min
